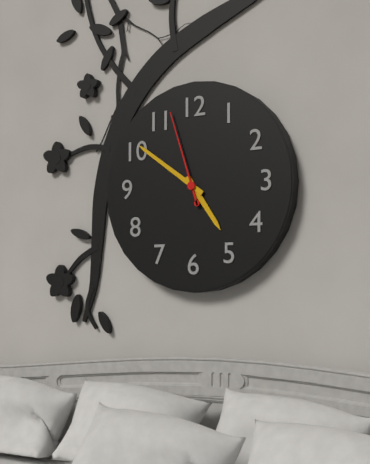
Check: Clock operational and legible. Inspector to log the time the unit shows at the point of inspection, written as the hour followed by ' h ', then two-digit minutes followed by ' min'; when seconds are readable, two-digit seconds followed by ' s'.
4 h 51 min 57 s
